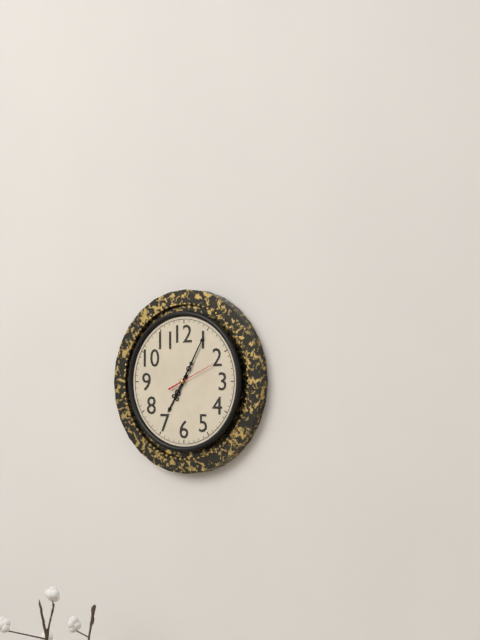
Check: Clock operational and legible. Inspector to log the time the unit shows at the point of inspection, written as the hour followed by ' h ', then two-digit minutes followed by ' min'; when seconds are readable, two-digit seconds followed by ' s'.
7 h 05 min
